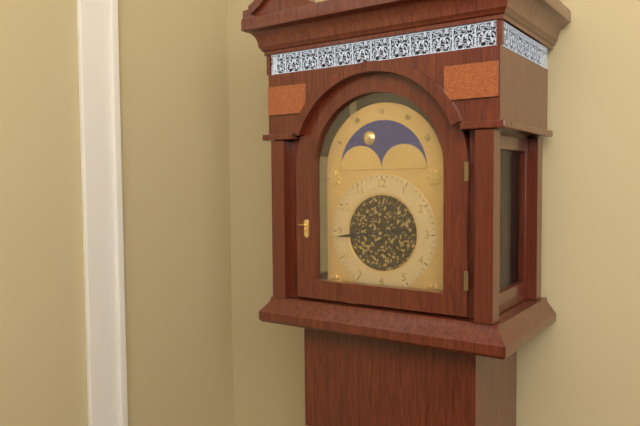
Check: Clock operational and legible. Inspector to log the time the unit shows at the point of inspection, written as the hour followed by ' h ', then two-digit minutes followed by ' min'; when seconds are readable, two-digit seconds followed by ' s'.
2 h 44 min
